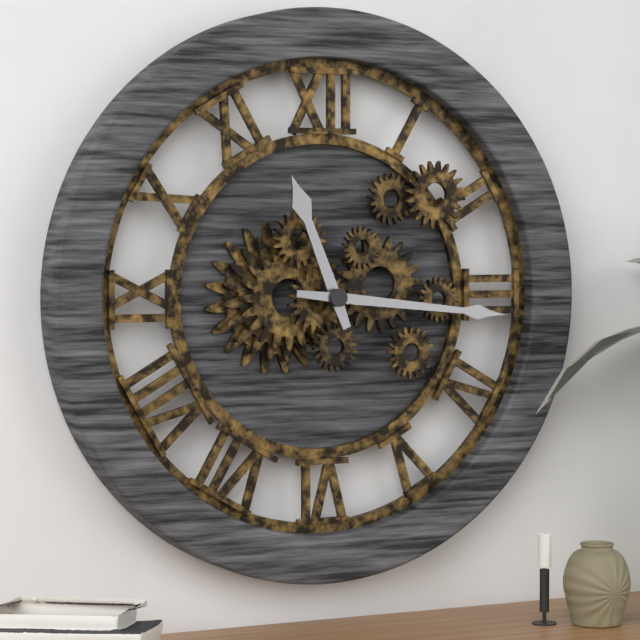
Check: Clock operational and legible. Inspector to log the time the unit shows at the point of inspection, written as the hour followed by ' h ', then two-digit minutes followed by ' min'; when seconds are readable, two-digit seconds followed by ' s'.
11 h 16 min
